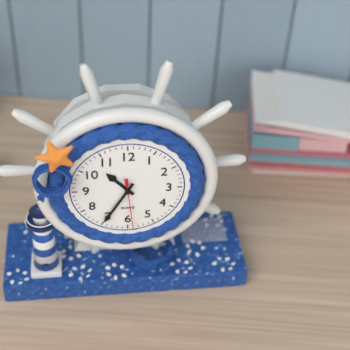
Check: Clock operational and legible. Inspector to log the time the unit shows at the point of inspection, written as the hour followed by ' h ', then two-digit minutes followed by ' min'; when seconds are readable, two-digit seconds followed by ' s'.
10 h 35 min
